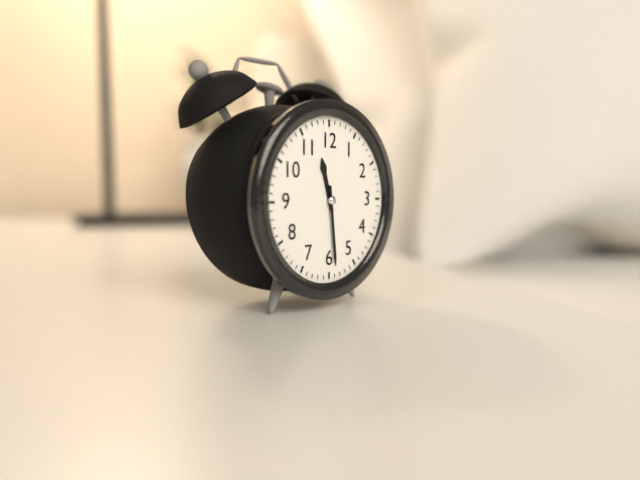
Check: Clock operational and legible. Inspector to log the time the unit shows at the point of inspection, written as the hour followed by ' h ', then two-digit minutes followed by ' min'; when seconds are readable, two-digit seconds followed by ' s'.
11 h 29 min
